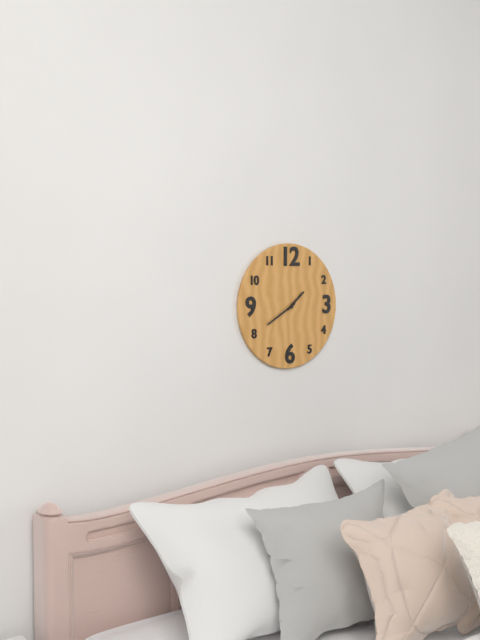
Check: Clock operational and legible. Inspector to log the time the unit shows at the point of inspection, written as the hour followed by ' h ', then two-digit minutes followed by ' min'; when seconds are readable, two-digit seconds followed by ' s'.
1 h 40 min
